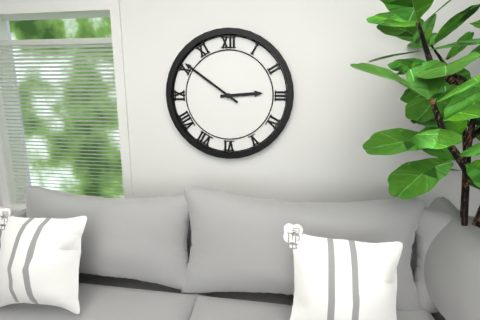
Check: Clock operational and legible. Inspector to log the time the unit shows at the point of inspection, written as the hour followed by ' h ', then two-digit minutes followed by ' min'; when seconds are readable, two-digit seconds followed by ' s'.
2 h 51 min
